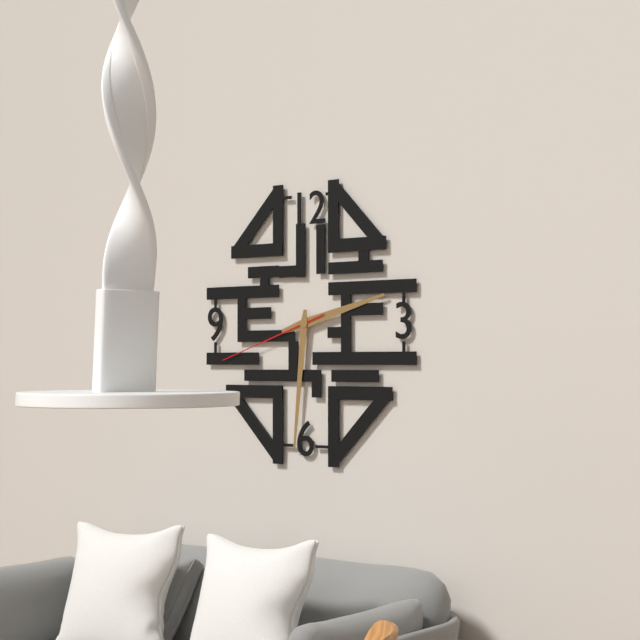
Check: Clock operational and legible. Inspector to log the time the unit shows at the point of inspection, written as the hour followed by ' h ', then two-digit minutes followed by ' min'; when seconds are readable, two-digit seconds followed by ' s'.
2 h 31 min 42 s
